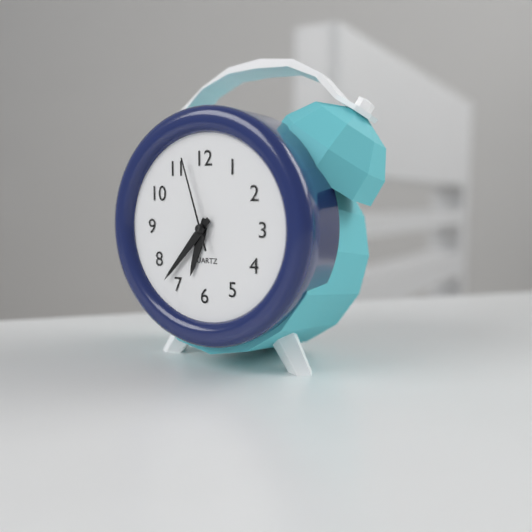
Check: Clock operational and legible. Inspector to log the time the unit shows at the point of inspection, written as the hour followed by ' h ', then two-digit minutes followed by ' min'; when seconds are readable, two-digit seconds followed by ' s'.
6 h 37 min 57 s
